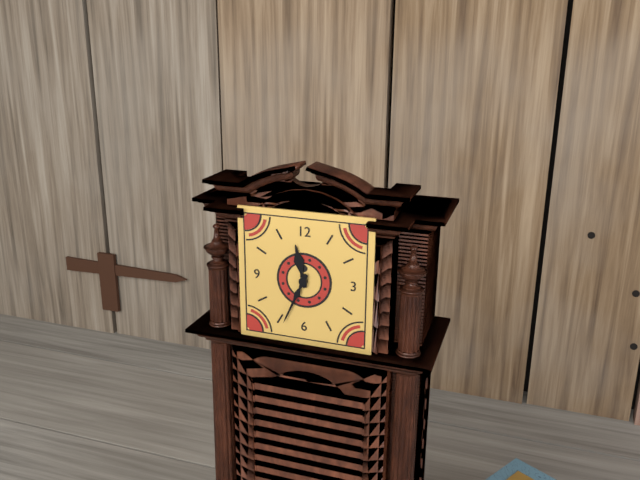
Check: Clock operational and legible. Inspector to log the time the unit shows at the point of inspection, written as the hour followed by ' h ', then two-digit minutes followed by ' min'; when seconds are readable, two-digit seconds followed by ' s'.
11 h 34 min
